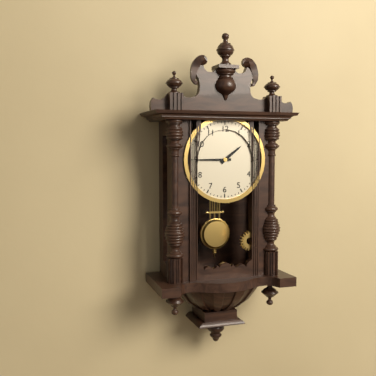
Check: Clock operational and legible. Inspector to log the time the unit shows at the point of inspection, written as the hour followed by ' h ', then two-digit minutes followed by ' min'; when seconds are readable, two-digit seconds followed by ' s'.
1 h 45 min
